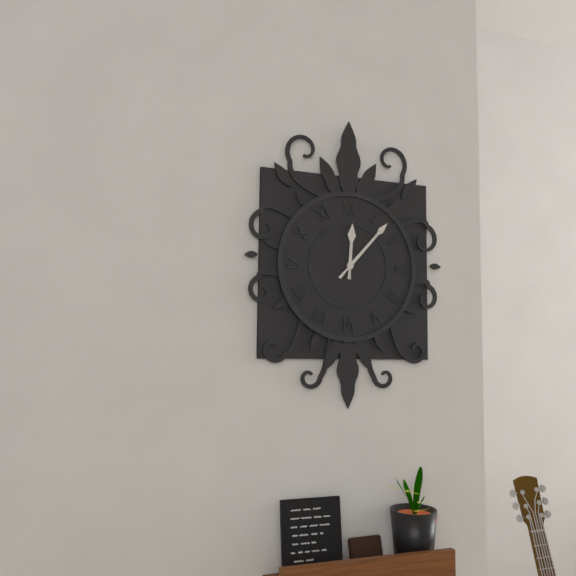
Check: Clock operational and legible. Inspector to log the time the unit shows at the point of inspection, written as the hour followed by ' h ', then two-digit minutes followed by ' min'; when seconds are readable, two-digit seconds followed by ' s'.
12 h 07 min
